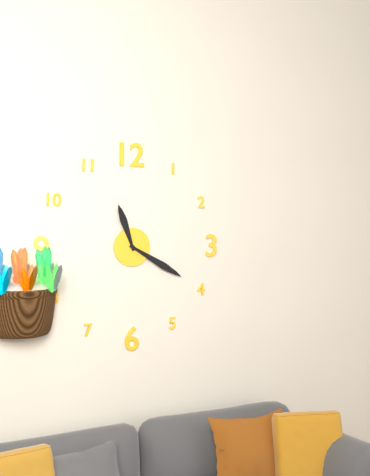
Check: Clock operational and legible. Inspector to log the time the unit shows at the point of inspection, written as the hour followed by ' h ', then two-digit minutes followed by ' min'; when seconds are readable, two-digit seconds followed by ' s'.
11 h 20 min
